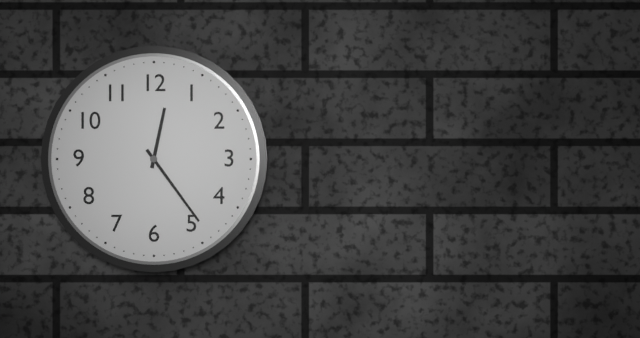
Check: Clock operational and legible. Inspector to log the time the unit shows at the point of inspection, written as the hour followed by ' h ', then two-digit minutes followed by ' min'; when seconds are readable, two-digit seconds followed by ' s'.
12 h 24 min
